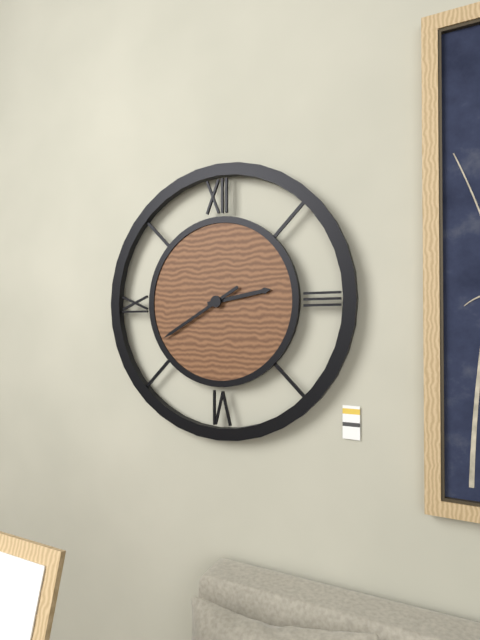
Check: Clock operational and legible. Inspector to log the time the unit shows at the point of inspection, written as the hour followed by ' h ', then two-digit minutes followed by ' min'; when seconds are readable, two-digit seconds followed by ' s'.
2 h 40 min
